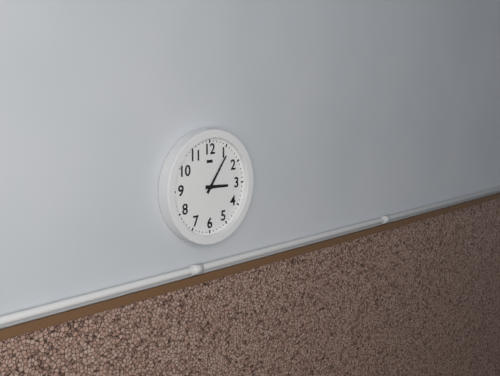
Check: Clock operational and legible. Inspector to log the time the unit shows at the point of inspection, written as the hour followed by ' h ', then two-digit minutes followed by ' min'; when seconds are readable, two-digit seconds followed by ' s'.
3 h 06 min
